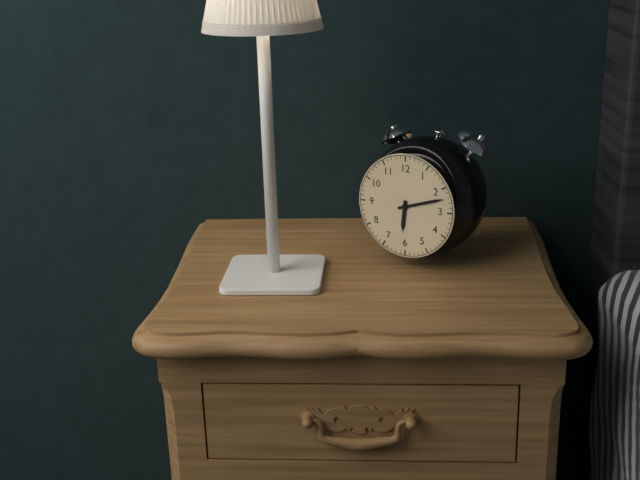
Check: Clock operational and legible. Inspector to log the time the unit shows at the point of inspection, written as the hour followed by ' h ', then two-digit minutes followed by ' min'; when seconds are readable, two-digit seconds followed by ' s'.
6 h 12 min
